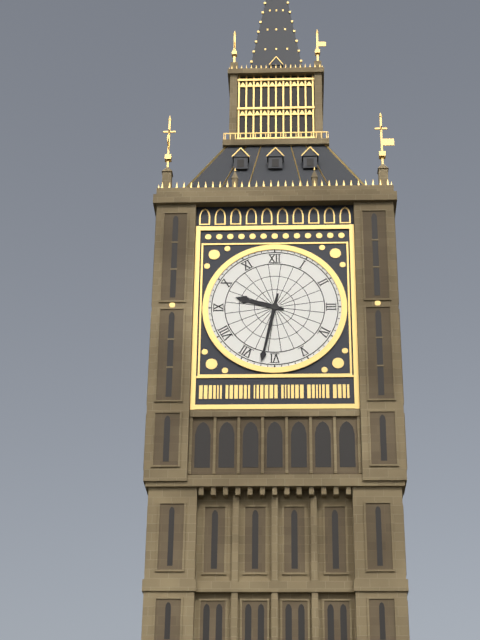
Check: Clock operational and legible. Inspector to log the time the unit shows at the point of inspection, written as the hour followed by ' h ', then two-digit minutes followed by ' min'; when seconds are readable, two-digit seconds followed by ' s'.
9 h 32 min
